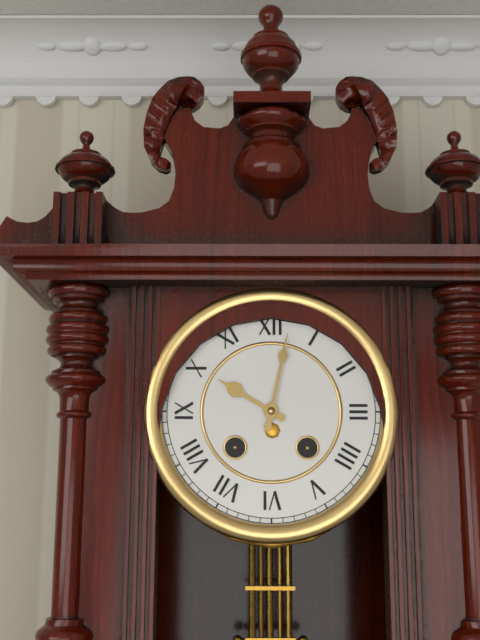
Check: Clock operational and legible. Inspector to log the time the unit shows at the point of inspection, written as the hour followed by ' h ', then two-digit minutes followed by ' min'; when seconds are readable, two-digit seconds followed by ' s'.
10 h 02 min
